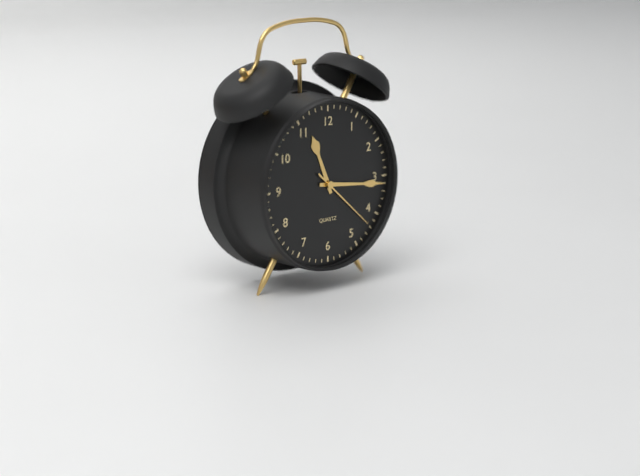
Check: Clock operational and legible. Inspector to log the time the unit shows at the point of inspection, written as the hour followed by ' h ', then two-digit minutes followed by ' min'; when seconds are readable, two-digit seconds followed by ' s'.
11 h 16 min 22 s
